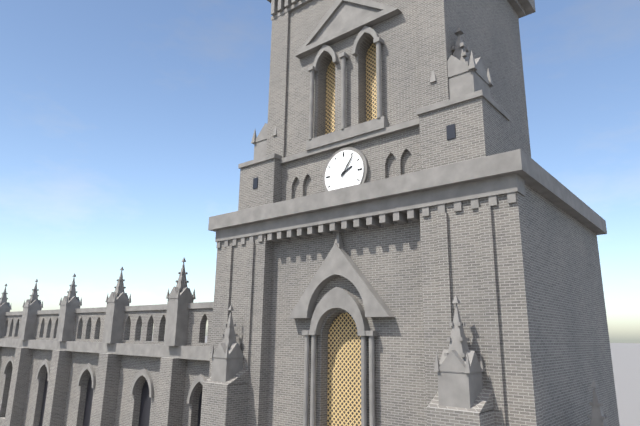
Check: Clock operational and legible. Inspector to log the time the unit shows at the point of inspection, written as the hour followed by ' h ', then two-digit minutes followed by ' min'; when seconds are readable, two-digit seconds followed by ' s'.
2 h 06 min
